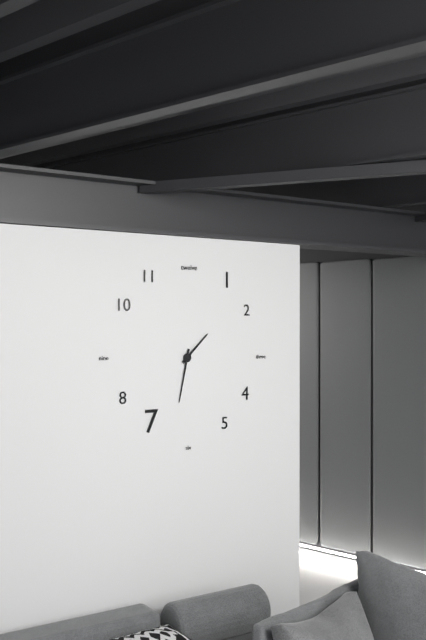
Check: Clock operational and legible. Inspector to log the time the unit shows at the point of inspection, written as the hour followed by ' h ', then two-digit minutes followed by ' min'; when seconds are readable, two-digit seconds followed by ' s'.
1 h 32 min
